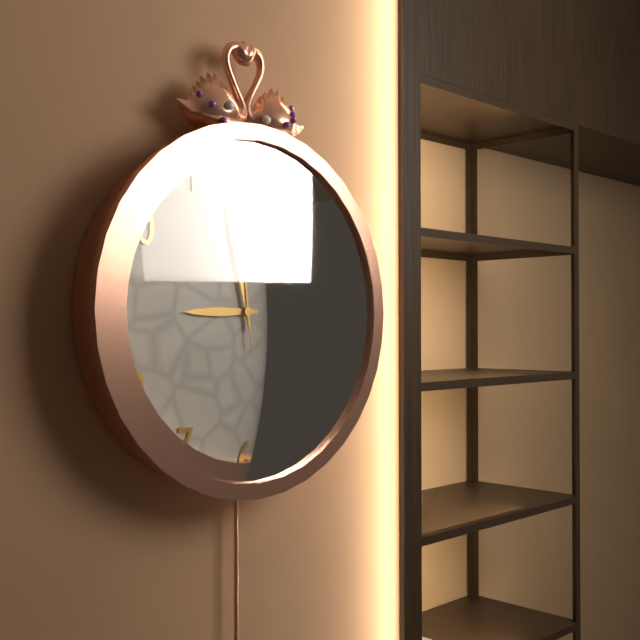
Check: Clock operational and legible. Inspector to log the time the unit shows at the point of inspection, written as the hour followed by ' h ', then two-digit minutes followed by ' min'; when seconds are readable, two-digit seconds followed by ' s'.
8 h 58 min 59 s
